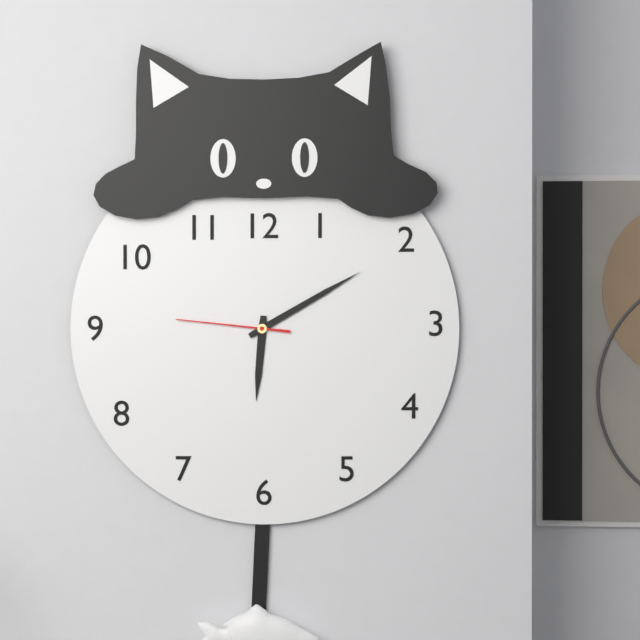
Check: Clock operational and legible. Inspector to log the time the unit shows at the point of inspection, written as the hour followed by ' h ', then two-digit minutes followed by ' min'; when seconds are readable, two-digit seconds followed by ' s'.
6 h 10 min 46 s
